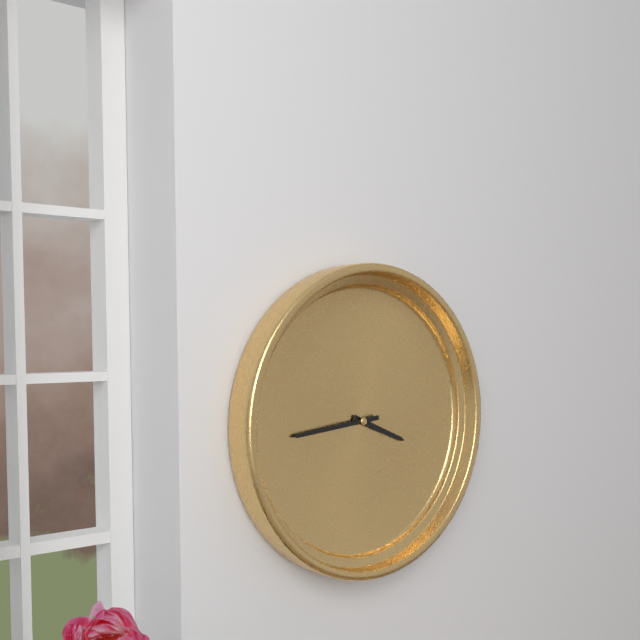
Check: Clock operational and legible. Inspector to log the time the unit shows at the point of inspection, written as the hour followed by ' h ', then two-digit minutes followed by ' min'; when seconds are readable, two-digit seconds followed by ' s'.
3 h 44 min
